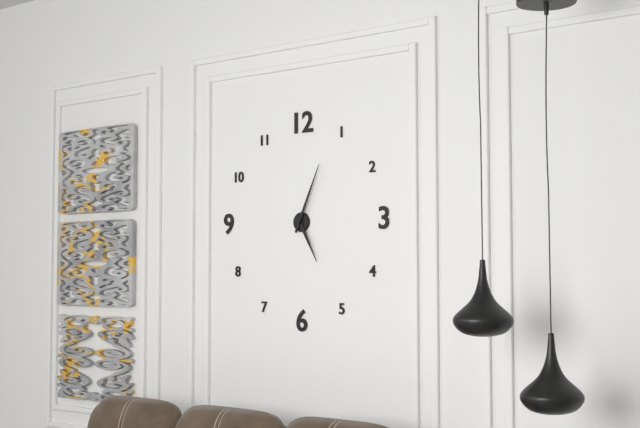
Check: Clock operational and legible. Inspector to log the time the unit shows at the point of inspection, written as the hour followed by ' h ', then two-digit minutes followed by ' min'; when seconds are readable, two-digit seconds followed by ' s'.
5 h 04 min
